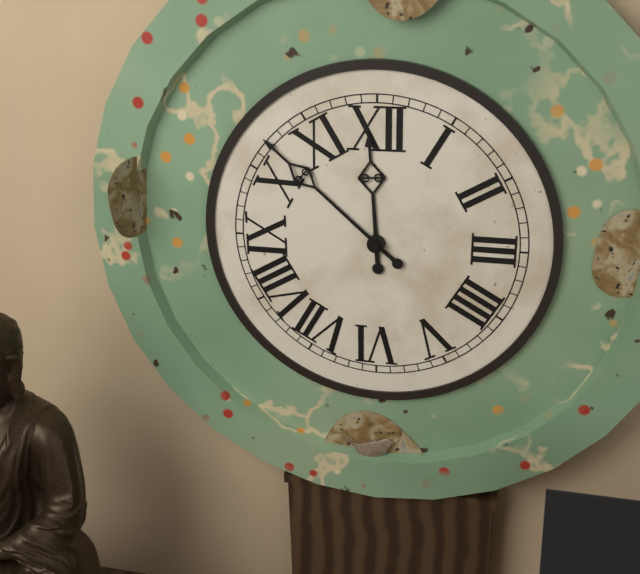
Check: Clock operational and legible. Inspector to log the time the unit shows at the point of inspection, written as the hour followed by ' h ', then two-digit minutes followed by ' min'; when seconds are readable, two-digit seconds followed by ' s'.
11 h 52 min
